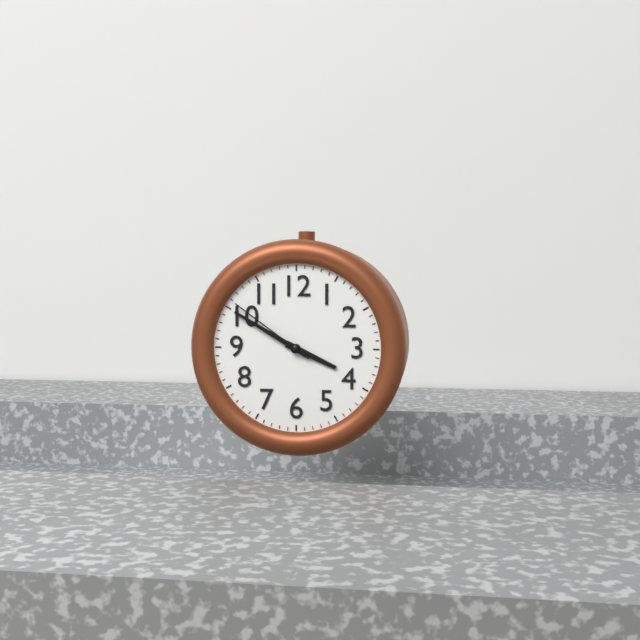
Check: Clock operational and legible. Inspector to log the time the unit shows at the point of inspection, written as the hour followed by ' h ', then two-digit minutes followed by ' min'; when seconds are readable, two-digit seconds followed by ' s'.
3 h 50 min 51 s
